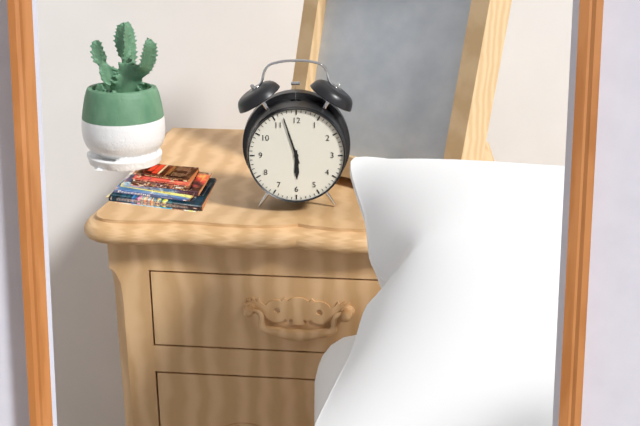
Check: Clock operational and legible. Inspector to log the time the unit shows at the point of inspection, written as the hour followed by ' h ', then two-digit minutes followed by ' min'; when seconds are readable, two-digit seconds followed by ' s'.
5 h 57 min
